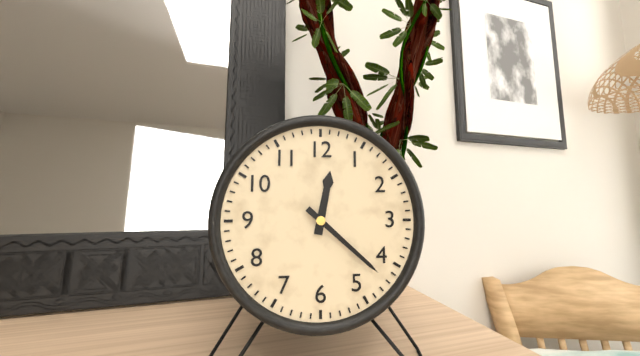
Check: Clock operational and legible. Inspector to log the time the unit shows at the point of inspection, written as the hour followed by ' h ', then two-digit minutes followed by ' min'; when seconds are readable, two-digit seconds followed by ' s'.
12 h 22 min
